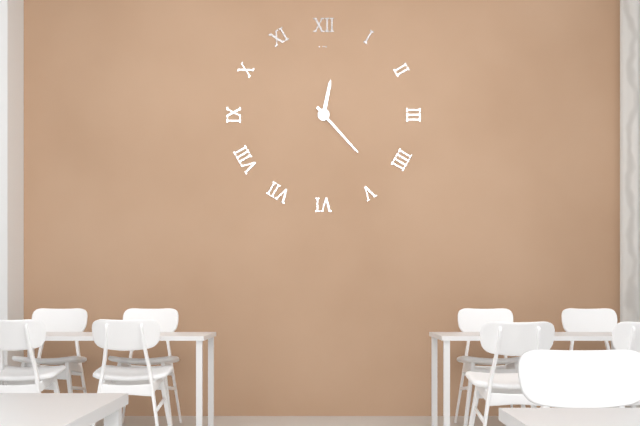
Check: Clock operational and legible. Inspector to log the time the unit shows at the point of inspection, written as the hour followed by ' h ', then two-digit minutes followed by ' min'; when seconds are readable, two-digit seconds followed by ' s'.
12 h 23 min
